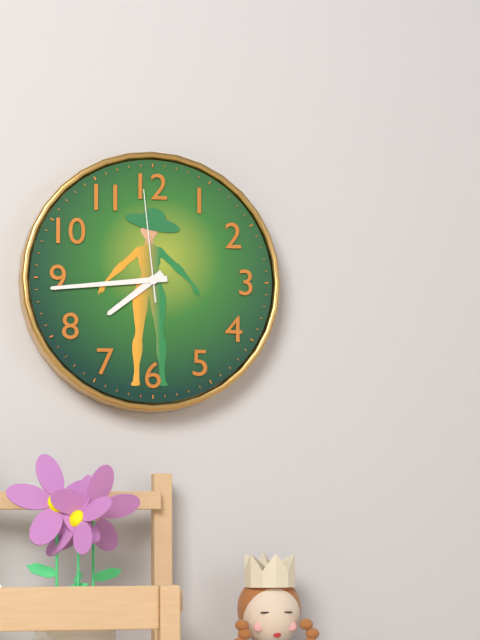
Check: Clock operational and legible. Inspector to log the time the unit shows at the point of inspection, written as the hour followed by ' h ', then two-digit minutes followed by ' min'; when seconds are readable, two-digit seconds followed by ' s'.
7 h 44 min 59 s
